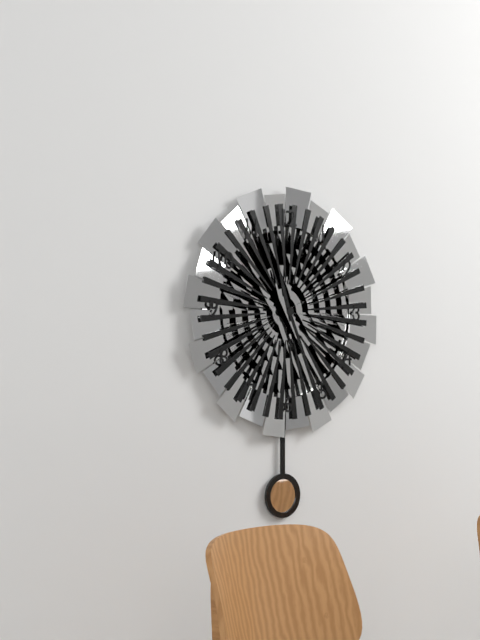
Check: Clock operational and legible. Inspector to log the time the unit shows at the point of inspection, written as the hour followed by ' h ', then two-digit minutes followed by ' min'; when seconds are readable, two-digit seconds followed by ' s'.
11 h 26 min
